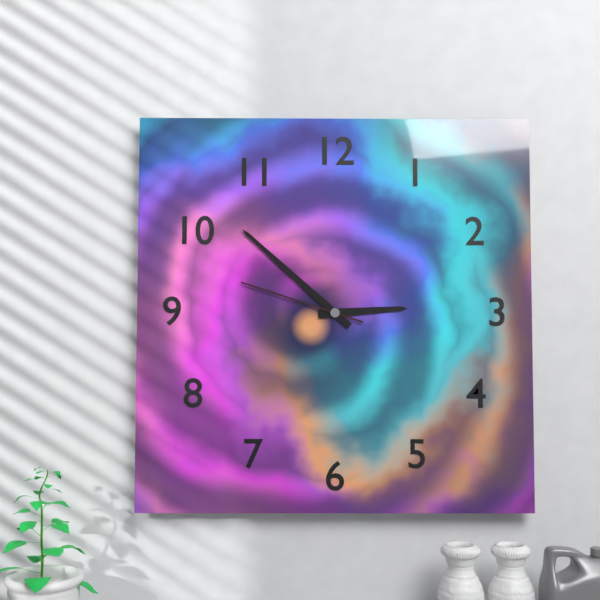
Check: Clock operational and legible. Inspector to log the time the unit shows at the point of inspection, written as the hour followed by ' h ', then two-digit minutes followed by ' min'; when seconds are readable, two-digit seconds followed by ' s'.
2 h 52 min 48 s
